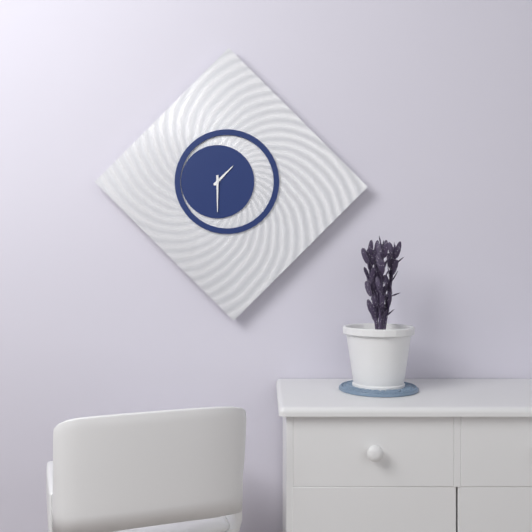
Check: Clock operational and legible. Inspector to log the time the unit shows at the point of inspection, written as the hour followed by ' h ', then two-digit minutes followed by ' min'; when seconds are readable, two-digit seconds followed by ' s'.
1 h 30 min
